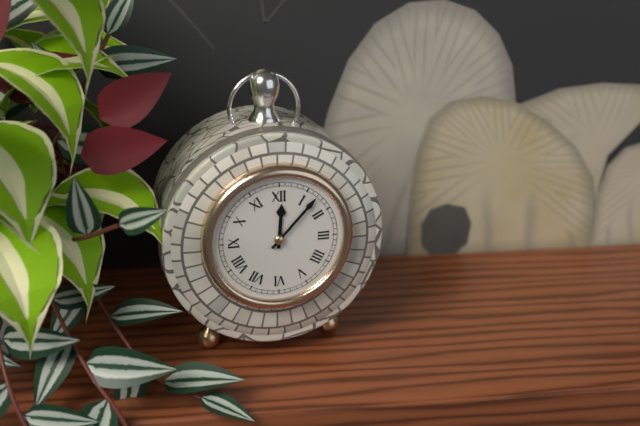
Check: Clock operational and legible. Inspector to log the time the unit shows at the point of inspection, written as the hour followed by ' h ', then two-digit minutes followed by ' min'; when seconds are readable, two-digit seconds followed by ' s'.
12 h 07 min
